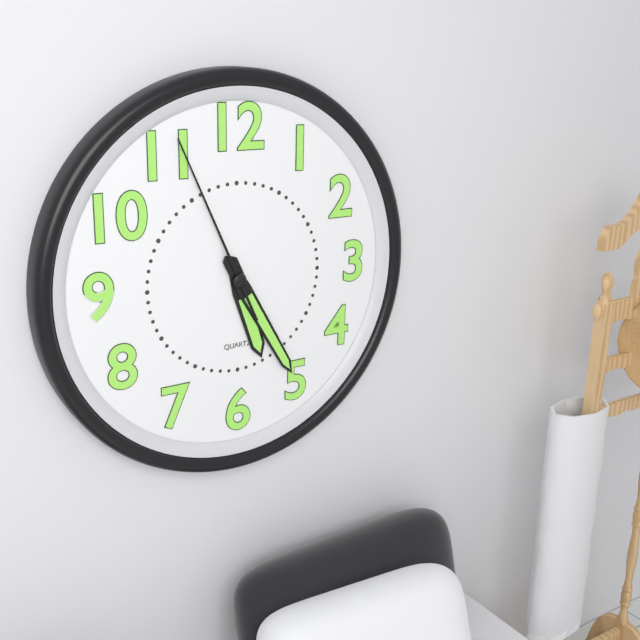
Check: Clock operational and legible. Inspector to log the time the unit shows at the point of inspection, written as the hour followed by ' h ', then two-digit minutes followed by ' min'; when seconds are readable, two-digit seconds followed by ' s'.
5 h 25 min 56 s
